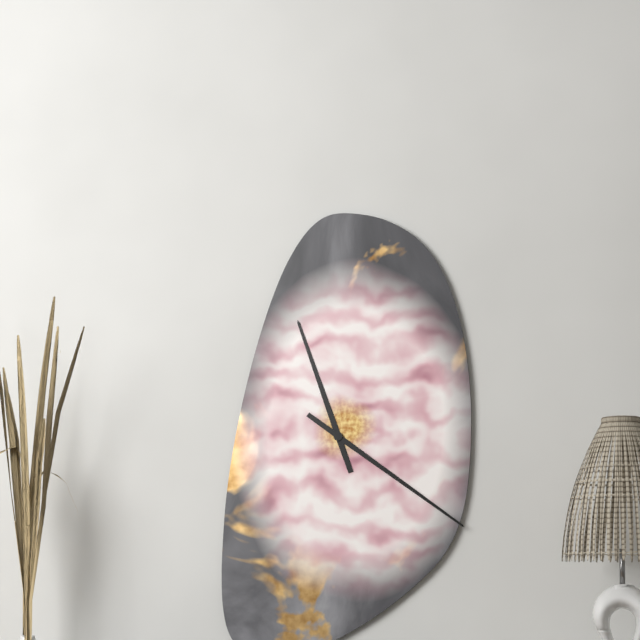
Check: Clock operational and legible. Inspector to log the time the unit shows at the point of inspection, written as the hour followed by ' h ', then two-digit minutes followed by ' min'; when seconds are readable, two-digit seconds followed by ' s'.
11 h 21 min
